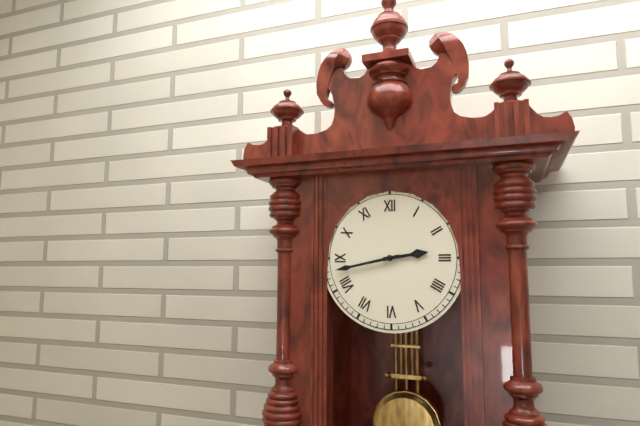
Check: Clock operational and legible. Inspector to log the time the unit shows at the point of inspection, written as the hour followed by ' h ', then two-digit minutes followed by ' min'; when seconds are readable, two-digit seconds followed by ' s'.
2 h 43 min
